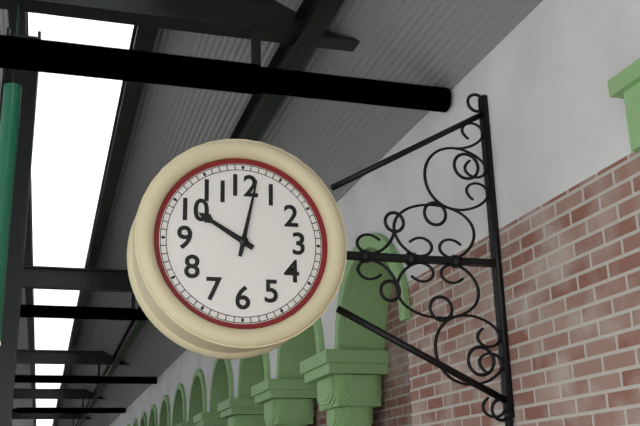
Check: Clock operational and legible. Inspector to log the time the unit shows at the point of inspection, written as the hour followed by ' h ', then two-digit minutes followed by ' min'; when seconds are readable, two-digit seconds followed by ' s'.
10 h 02 min
